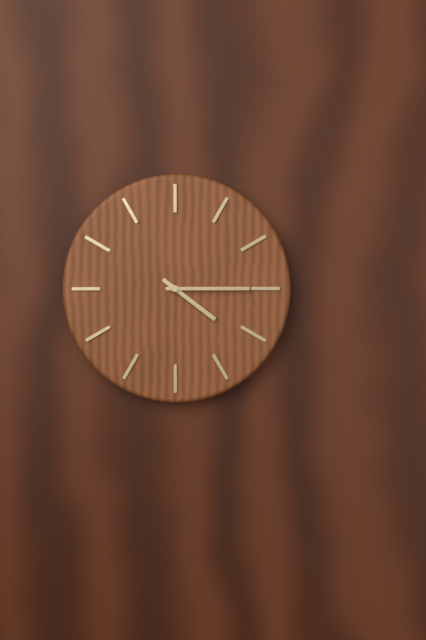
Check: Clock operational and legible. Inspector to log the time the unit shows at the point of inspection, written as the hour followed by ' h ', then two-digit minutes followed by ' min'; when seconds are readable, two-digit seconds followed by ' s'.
4 h 15 min
